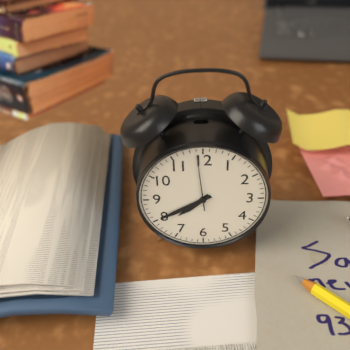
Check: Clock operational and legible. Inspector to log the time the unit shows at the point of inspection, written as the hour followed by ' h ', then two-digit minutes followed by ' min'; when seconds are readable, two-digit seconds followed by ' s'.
7 h 40 min 59 s
